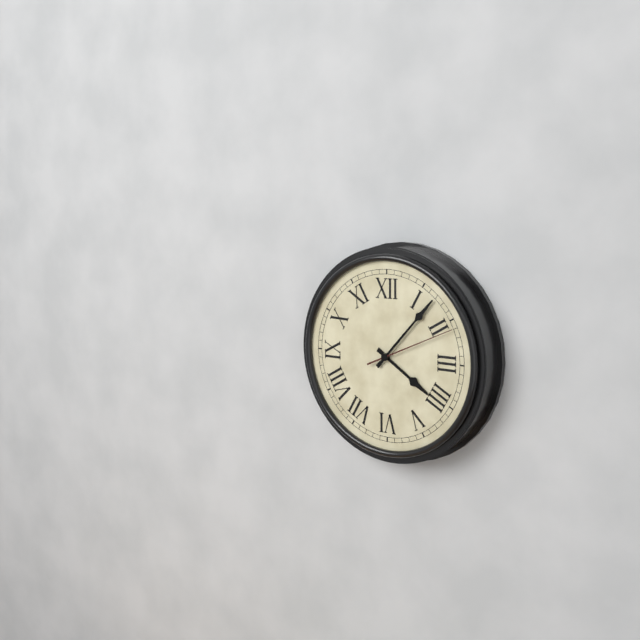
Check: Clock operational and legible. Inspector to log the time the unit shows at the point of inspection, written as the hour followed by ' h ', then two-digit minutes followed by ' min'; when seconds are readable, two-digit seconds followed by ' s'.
4 h 07 min 11 s
